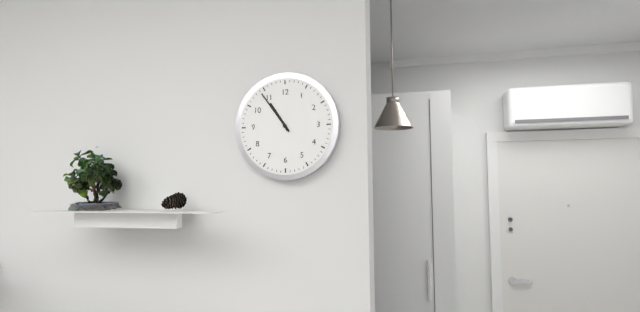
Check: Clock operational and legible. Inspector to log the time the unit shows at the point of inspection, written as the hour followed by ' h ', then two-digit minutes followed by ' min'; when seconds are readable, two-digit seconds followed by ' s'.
10 h 54 min
